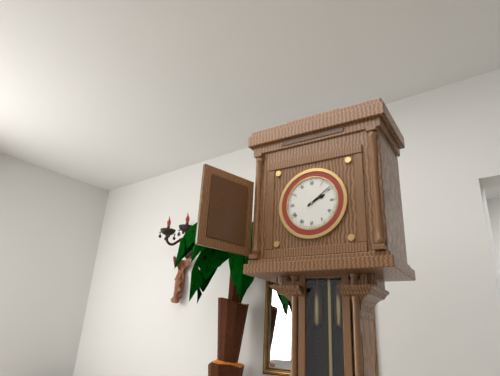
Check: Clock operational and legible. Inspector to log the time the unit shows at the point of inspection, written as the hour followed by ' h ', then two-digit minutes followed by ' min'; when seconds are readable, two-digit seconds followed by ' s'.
2 h 09 min
